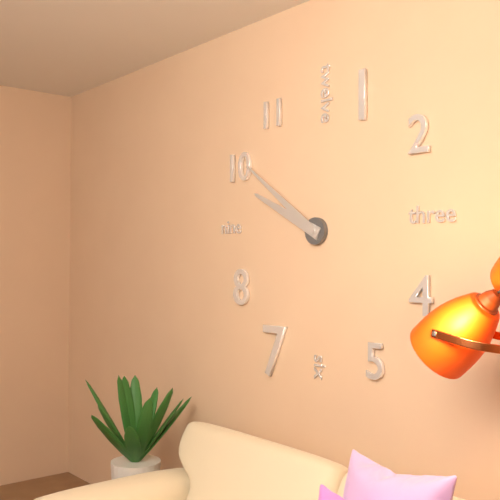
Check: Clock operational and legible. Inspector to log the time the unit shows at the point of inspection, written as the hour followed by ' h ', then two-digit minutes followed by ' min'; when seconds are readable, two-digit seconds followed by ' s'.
9 h 51 min
